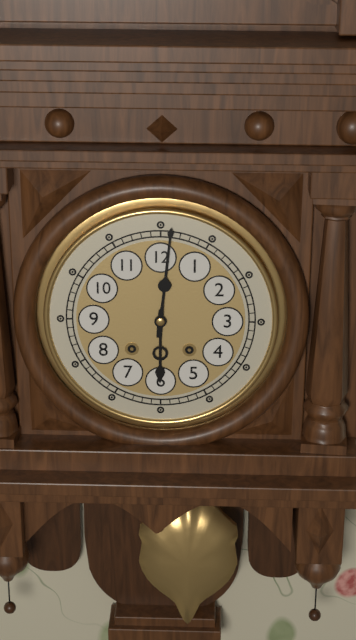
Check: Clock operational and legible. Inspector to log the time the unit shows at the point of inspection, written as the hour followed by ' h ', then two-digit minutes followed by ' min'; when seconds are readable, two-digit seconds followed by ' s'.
6 h 01 min
